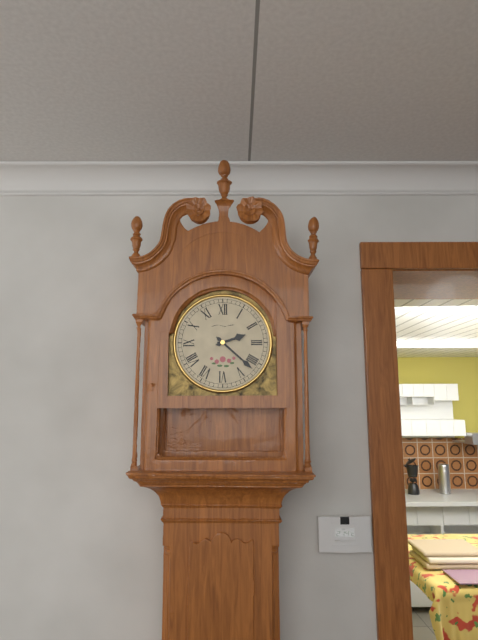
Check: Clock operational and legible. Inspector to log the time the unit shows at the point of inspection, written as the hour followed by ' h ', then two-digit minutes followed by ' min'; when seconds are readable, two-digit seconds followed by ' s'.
2 h 22 min
